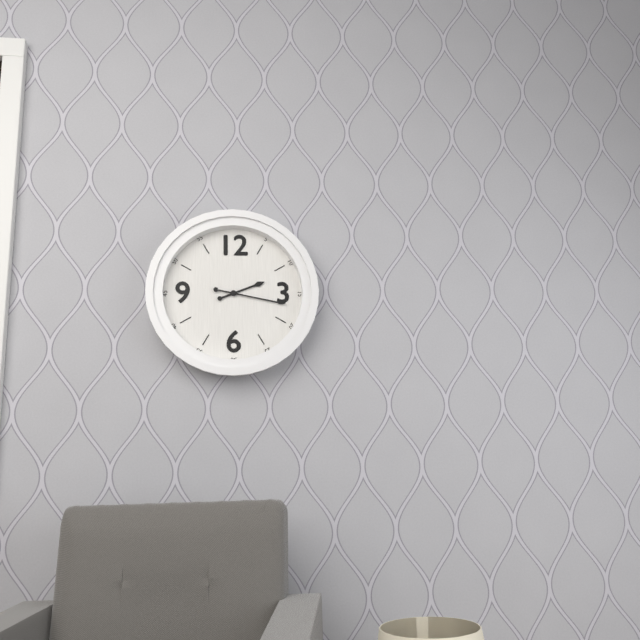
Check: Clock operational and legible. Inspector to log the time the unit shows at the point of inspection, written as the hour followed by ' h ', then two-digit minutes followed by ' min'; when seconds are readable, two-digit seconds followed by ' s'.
2 h 17 min
